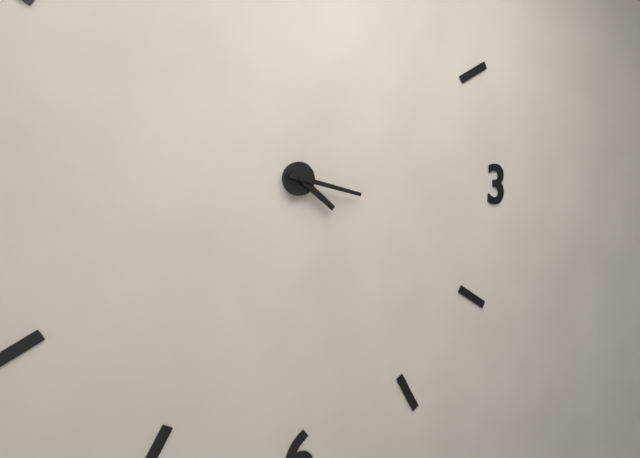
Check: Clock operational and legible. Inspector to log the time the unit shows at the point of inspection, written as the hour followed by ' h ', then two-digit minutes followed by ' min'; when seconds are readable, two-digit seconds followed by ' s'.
4 h 17 min
